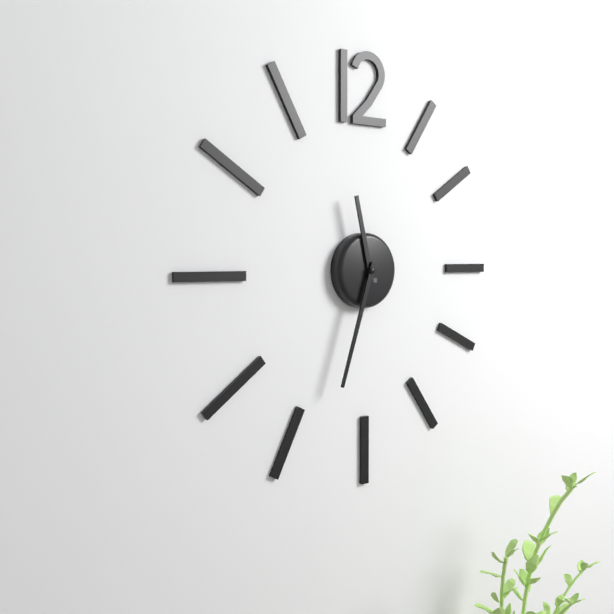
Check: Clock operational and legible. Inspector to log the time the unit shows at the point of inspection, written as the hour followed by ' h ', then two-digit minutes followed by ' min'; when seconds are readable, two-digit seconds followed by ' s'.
11 h 33 min
